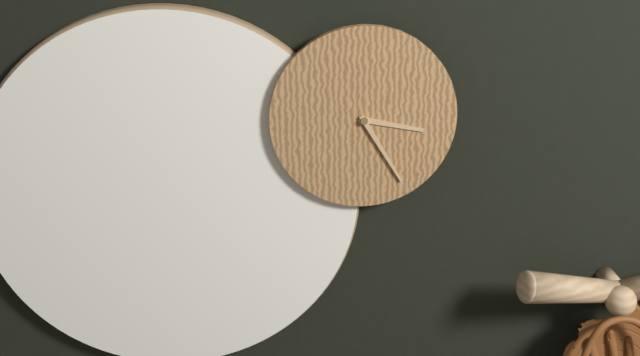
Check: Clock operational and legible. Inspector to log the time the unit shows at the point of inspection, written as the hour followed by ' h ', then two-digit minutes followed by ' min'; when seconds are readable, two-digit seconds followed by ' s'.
3 h 25 min
